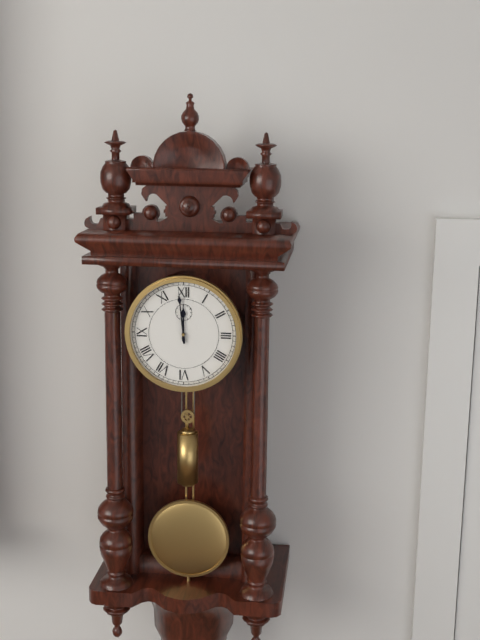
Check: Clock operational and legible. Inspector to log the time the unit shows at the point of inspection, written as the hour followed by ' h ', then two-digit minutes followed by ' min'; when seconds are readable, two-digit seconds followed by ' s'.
11 h 59 min
